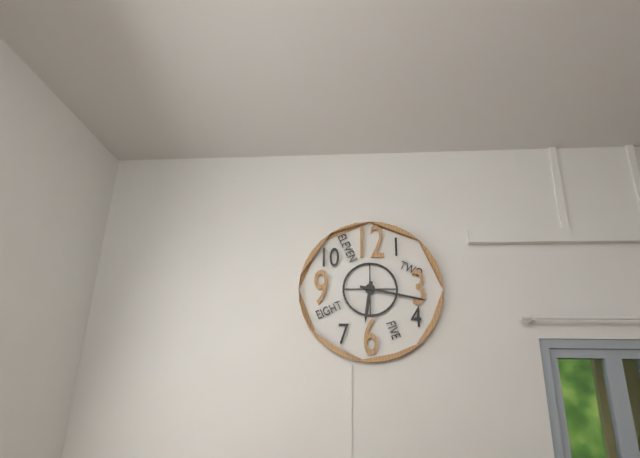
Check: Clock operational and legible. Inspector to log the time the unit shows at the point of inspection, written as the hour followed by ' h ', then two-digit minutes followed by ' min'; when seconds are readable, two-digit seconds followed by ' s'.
6 h 17 min
